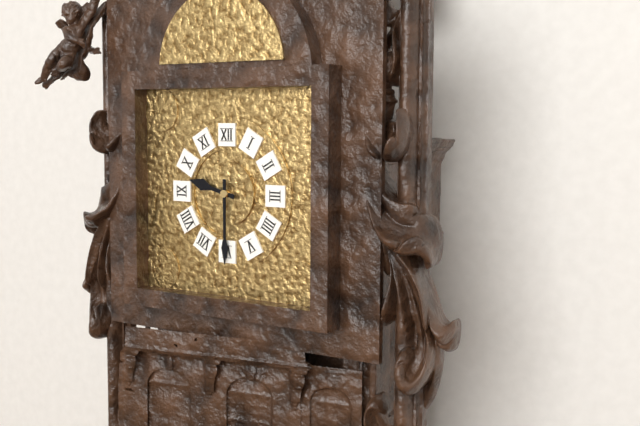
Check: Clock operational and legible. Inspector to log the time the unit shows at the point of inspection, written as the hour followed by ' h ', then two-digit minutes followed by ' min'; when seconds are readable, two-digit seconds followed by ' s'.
9 h 30 min
